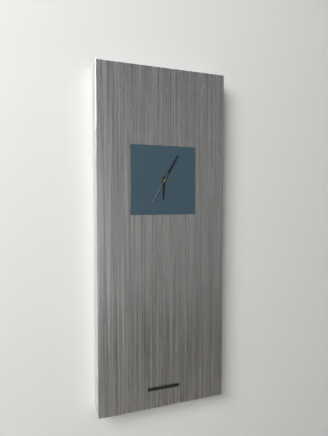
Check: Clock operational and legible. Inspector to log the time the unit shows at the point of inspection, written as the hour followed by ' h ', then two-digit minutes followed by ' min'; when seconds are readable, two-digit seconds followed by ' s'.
6 h 05 min
